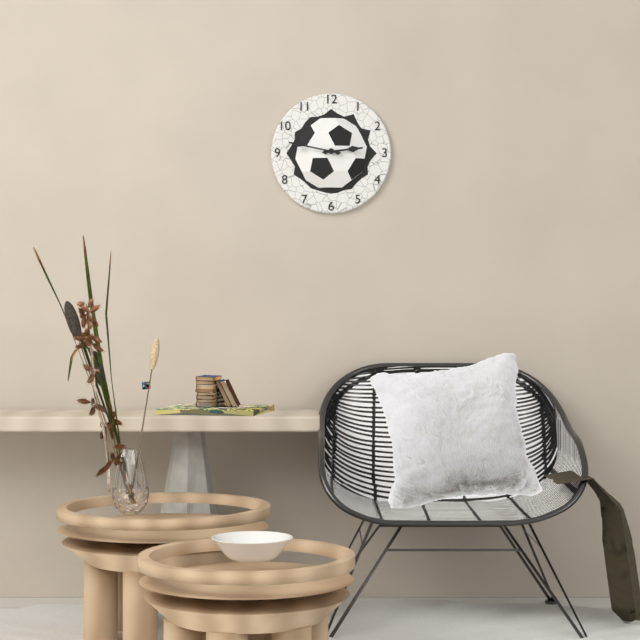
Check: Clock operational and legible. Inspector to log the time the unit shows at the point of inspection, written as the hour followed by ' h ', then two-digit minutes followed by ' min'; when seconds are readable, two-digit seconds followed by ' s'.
2 h 47 min
